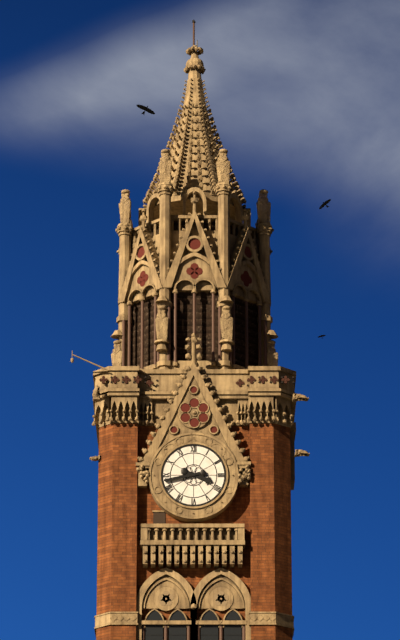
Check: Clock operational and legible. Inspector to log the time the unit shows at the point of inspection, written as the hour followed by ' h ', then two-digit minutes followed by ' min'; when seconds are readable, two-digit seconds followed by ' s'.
3 h 43 min
